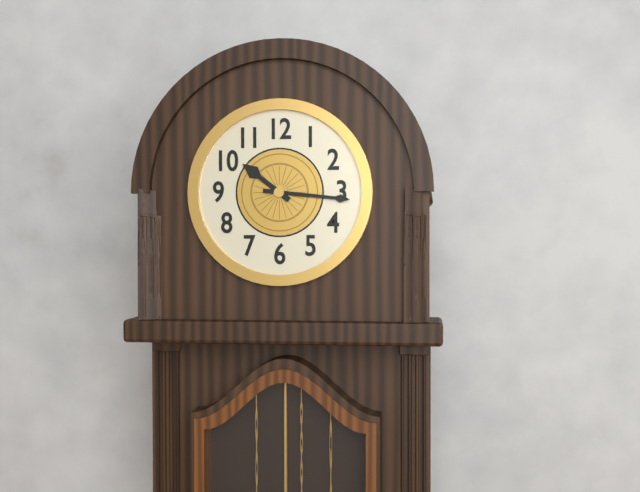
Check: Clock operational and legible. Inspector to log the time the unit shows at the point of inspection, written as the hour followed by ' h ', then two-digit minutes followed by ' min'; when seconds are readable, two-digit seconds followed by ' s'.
10 h 16 min
